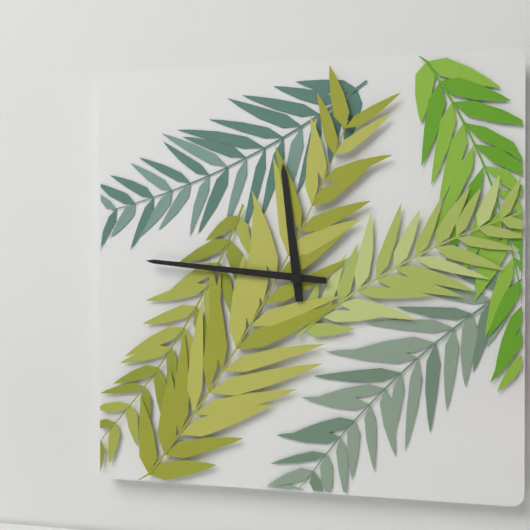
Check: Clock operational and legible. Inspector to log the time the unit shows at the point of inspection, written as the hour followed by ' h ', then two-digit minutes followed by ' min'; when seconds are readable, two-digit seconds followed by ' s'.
11 h 46 min
